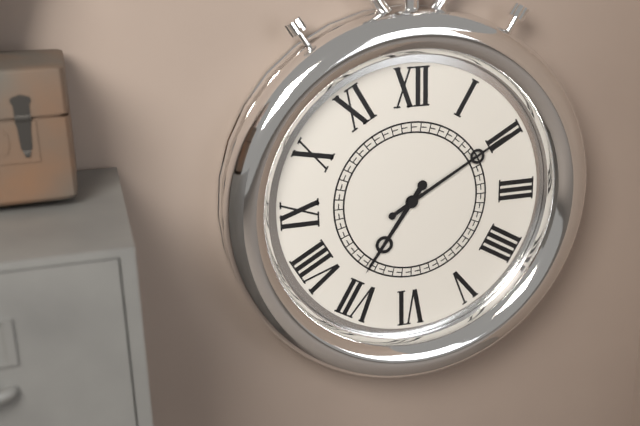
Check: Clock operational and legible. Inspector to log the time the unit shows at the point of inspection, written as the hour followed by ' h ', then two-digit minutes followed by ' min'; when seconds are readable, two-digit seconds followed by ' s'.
7 h 10 min
